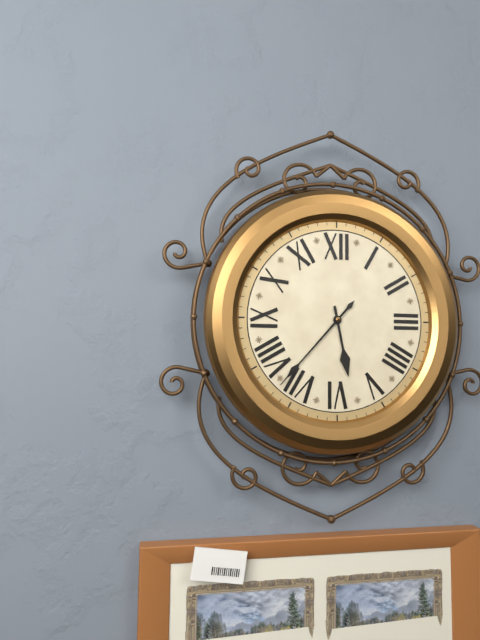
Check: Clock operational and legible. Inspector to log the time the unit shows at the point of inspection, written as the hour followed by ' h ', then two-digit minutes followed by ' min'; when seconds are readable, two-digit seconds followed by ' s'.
5 h 37 min
